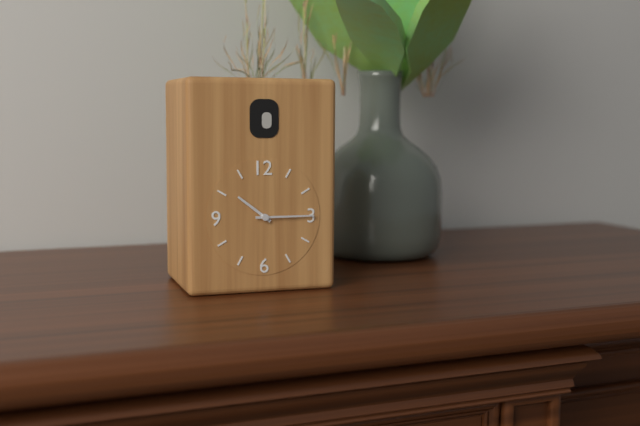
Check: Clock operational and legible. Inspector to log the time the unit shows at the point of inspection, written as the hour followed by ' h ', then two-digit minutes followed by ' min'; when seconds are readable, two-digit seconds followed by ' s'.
10 h 15 min
